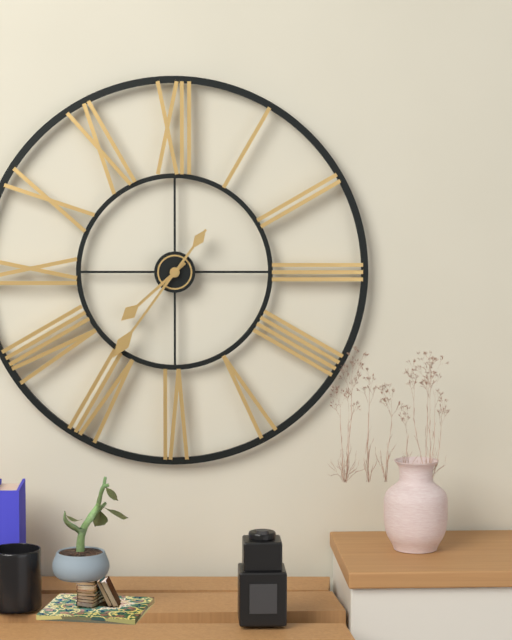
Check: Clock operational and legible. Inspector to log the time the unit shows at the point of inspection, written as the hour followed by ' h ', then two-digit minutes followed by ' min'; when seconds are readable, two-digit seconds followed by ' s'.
7 h 36 min
